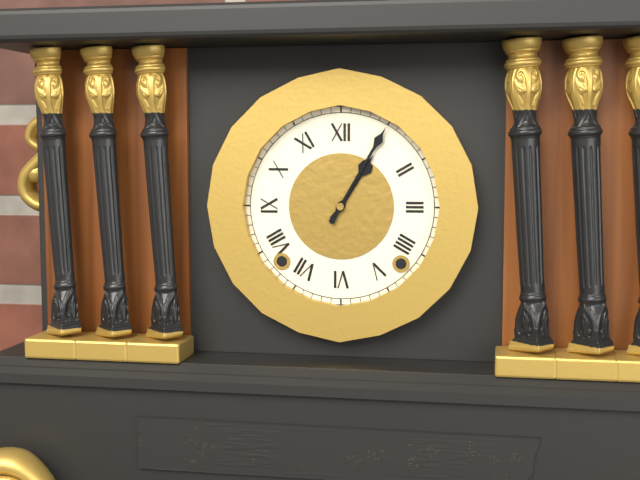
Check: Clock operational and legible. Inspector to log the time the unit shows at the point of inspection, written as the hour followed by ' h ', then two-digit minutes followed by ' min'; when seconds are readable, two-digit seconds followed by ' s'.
1 h 05 min
